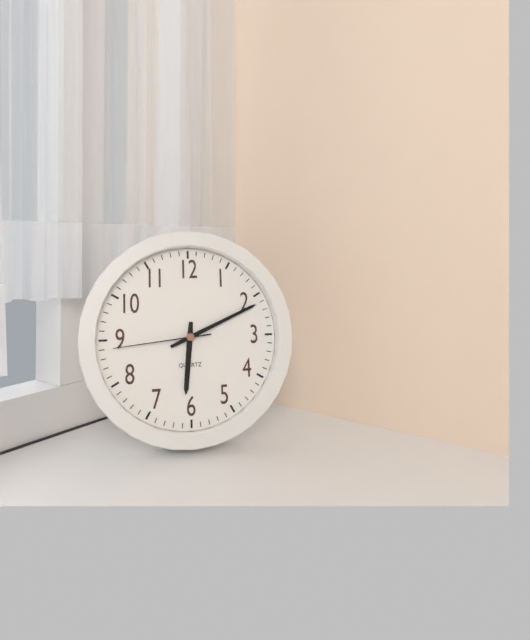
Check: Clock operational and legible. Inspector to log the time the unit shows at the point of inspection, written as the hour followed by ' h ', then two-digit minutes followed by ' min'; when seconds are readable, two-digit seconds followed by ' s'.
6 h 11 min 44 s
